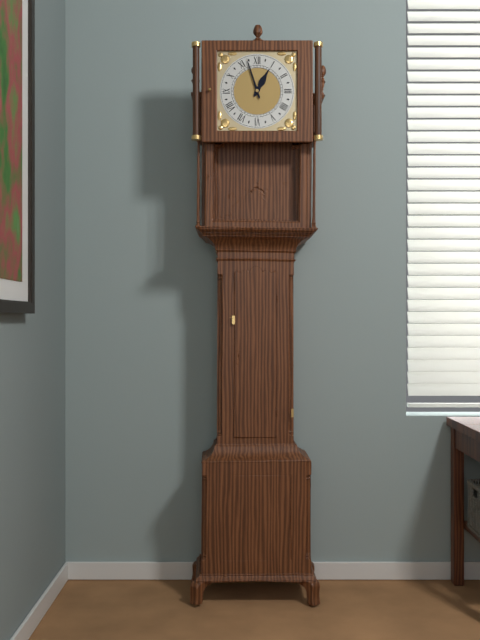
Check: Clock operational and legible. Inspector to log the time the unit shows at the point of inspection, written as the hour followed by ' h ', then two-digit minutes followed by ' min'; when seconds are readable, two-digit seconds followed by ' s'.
12 h 57 min
